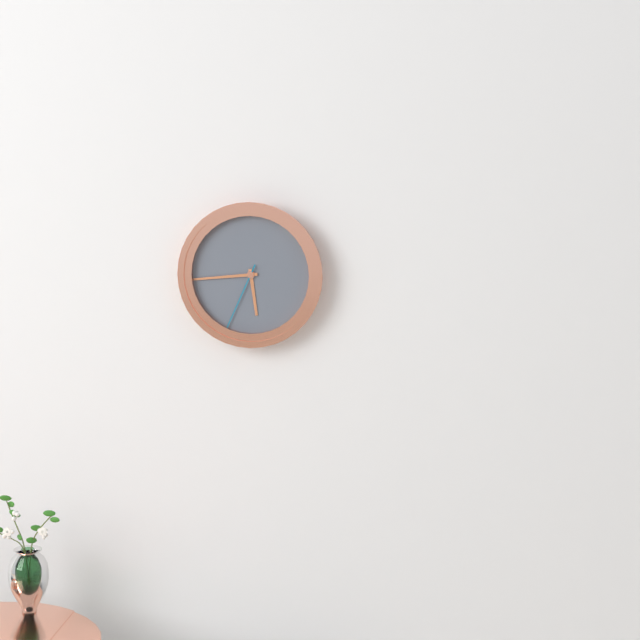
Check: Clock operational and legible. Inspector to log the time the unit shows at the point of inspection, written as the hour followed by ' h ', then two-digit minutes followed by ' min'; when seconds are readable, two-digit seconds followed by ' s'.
5 h 44 min 34 s
